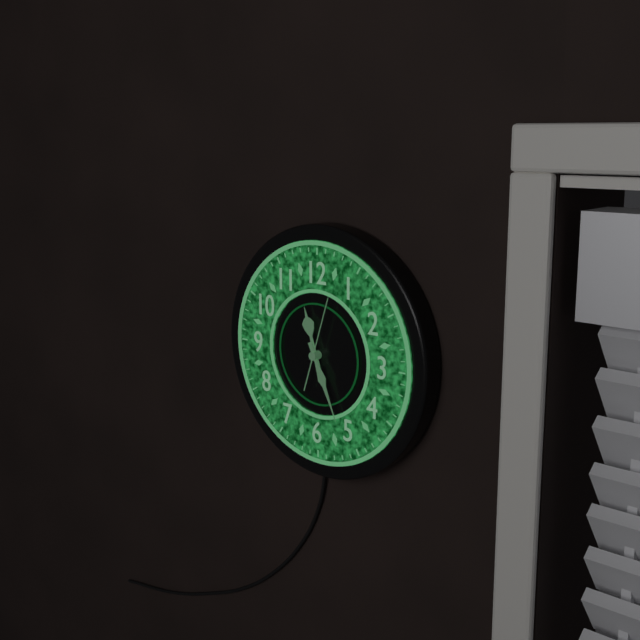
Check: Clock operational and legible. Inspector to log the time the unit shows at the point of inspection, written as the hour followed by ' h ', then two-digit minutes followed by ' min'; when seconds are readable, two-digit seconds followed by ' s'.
11 h 26 min 03 s
